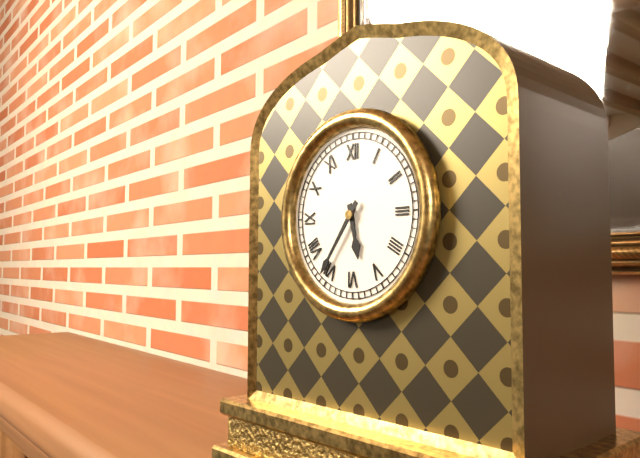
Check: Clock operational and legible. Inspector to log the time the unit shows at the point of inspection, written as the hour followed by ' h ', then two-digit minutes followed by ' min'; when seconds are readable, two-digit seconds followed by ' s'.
5 h 36 min
